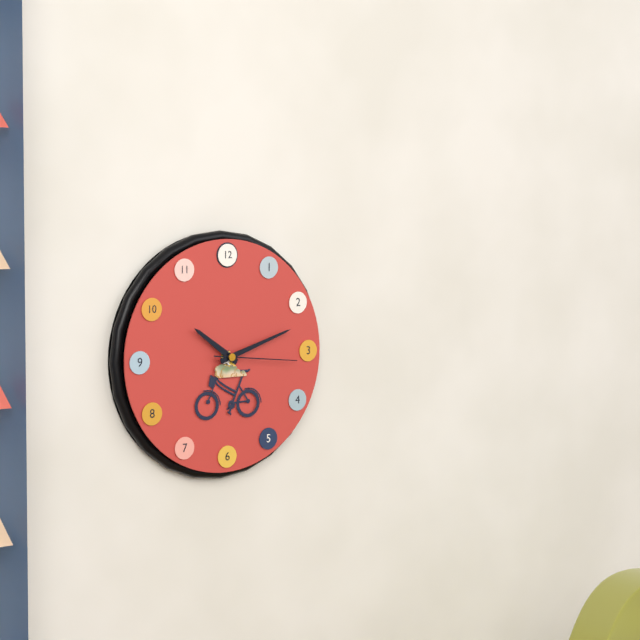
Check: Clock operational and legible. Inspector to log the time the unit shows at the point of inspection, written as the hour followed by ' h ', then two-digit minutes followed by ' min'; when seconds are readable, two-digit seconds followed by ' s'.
10 h 12 min 16 s
